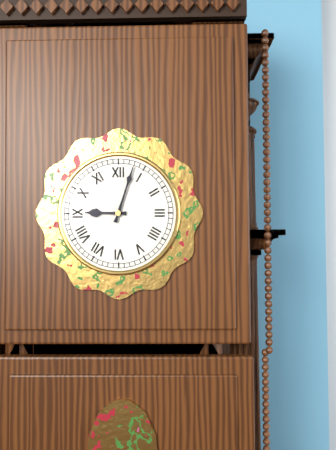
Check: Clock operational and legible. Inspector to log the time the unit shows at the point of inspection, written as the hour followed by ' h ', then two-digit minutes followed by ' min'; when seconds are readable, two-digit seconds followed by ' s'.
9 h 03 min
